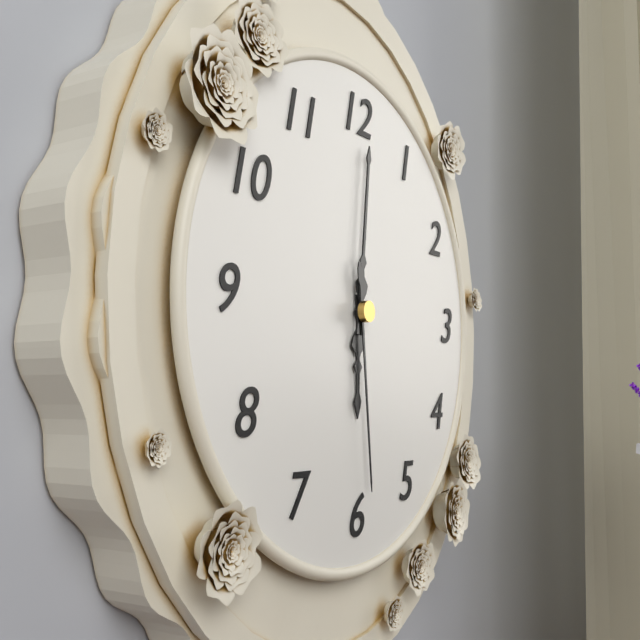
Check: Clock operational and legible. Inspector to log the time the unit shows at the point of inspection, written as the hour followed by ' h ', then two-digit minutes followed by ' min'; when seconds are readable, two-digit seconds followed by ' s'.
6 h 01 min 29 s
